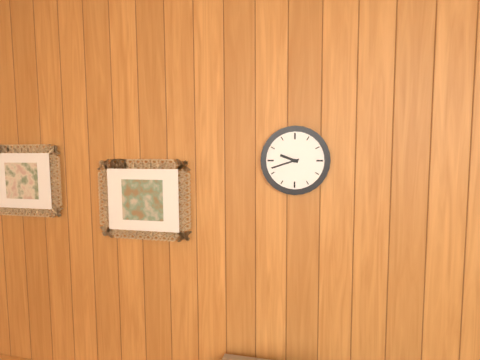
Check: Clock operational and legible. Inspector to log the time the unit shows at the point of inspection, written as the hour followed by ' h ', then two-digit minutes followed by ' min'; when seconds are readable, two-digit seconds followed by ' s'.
9 h 42 min
